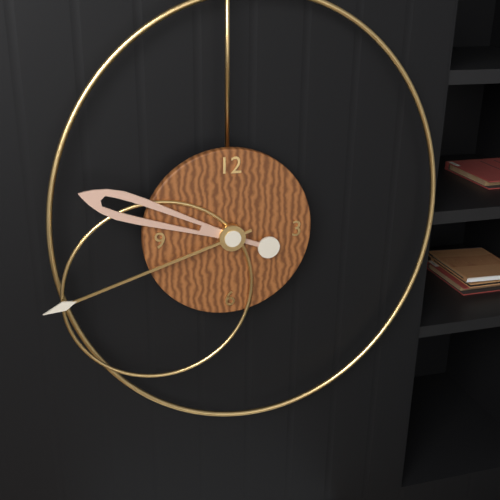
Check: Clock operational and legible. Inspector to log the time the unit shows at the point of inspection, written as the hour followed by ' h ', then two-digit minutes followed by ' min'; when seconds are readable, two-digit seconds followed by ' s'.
9 h 42 min
